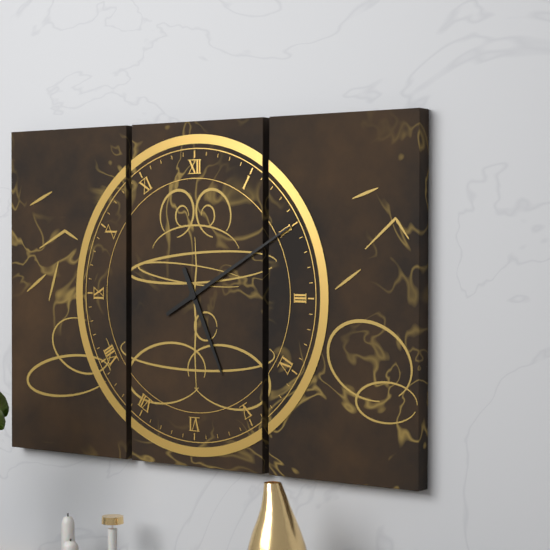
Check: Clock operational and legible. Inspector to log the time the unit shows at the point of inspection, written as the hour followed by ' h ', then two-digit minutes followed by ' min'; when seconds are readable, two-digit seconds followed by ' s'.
5 h 10 min
